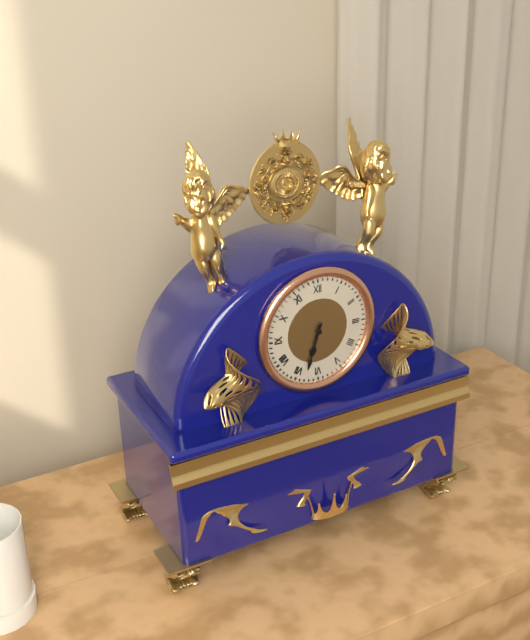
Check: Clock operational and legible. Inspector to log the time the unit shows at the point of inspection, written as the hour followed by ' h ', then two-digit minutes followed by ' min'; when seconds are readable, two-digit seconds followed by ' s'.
6 h 33 min
